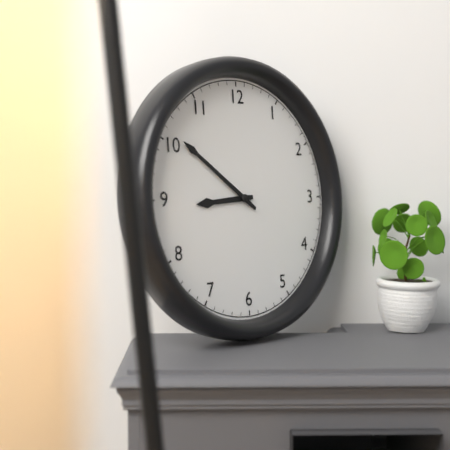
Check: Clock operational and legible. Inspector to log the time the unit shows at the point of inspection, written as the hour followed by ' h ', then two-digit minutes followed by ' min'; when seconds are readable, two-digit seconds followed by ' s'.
8 h 51 min
